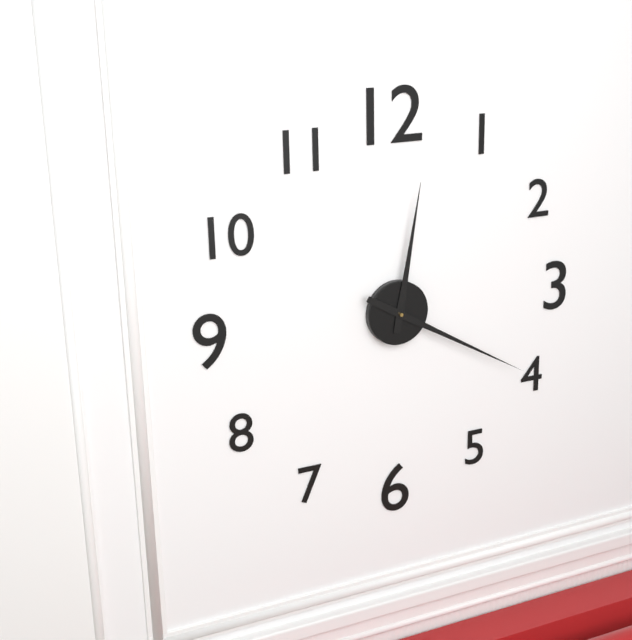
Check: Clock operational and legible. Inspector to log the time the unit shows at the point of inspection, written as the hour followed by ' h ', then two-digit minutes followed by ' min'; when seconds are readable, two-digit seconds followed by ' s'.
12 h 20 min
